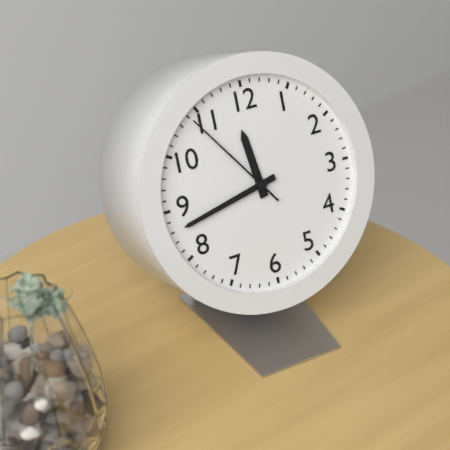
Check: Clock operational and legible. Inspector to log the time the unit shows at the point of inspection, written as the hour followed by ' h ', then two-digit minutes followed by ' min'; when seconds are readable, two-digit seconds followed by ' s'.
11 h 43 min 54 s
